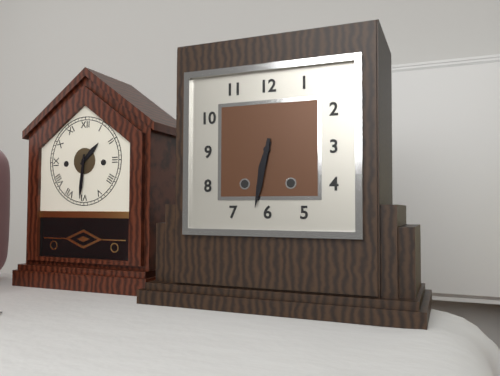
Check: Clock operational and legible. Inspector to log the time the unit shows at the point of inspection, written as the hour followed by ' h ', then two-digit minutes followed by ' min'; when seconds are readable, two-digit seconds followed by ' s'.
6 h 32 min
